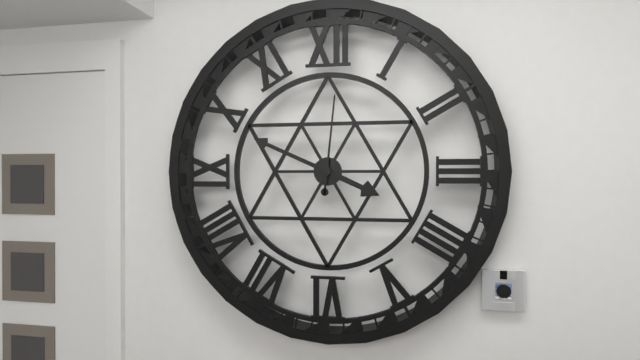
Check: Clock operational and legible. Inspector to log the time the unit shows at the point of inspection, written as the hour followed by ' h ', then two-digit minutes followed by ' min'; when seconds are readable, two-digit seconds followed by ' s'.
3 h 49 min 01 s
